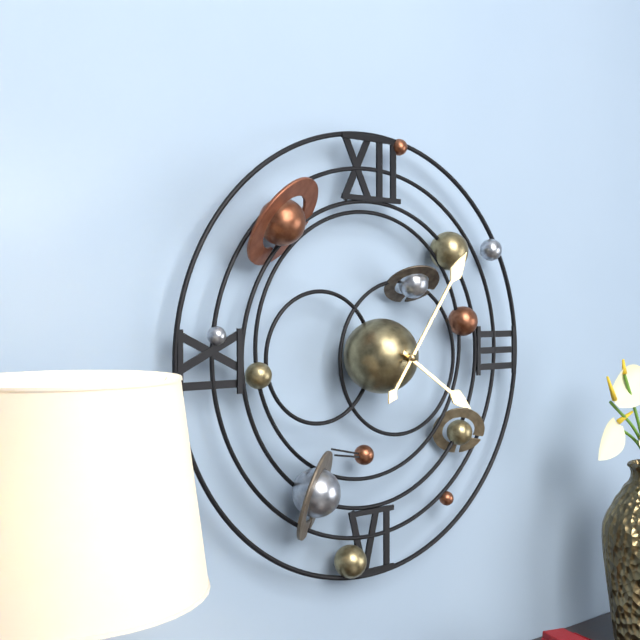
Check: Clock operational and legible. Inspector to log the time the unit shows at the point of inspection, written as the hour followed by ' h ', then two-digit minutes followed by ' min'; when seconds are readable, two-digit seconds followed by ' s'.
4 h 06 min
